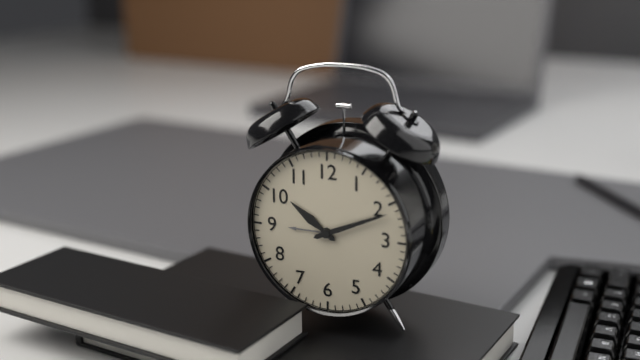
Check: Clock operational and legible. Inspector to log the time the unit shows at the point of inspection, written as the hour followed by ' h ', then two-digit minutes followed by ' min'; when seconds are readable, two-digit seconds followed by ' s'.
10 h 11 min
